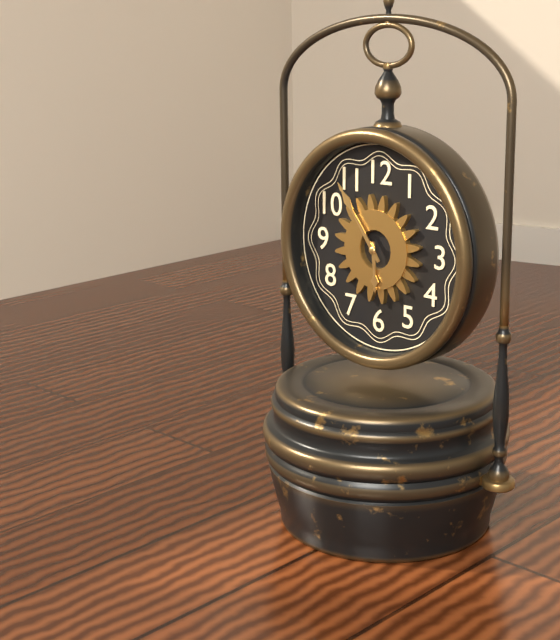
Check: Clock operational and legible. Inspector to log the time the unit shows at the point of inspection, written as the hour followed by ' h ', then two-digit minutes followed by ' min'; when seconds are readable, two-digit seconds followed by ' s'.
5 h 54 min
